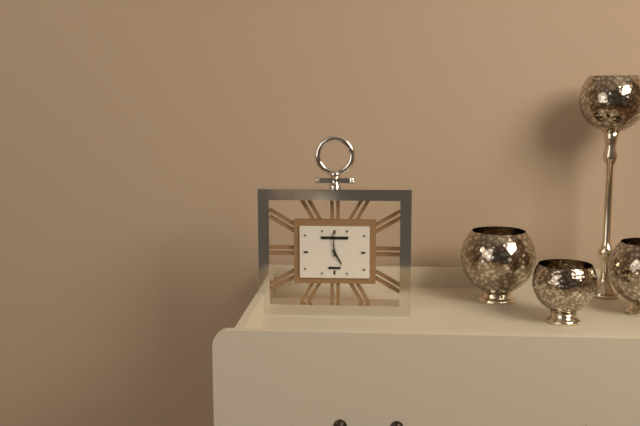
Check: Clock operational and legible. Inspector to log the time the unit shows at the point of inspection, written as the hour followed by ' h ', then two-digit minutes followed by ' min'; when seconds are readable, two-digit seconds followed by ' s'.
4 h 59 min
